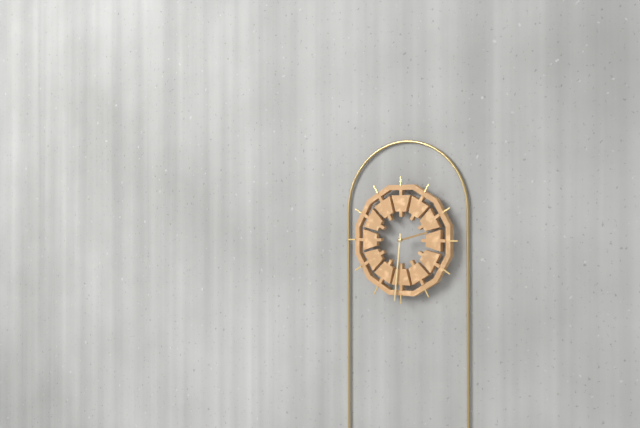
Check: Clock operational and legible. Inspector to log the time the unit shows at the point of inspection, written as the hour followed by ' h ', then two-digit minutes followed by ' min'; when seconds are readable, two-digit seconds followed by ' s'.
2 h 31 min
